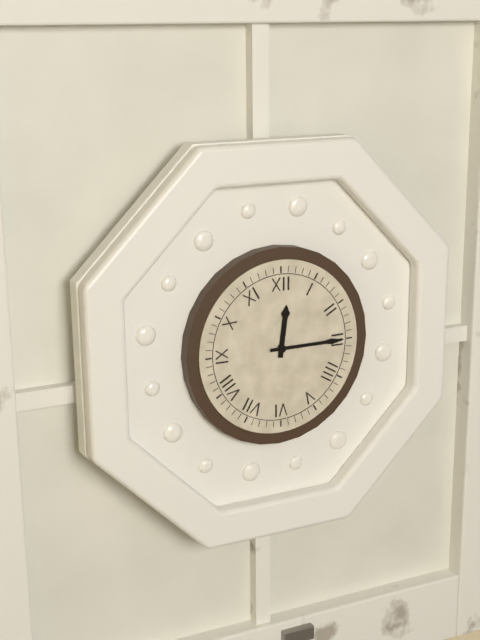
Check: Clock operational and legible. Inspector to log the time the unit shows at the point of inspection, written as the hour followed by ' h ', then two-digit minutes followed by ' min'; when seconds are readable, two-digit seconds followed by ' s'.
12 h 15 min
